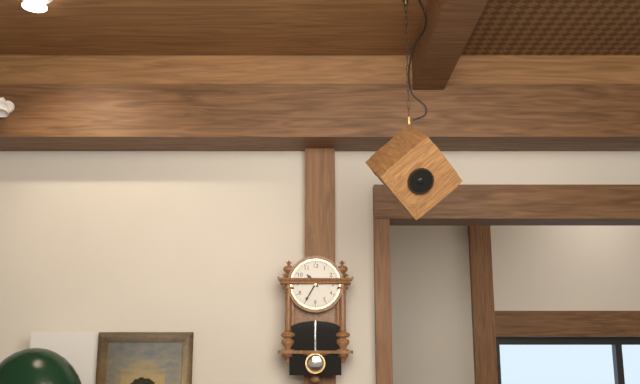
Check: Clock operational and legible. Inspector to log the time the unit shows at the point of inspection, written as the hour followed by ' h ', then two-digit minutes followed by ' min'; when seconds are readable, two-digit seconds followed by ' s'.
10 h 35 min
